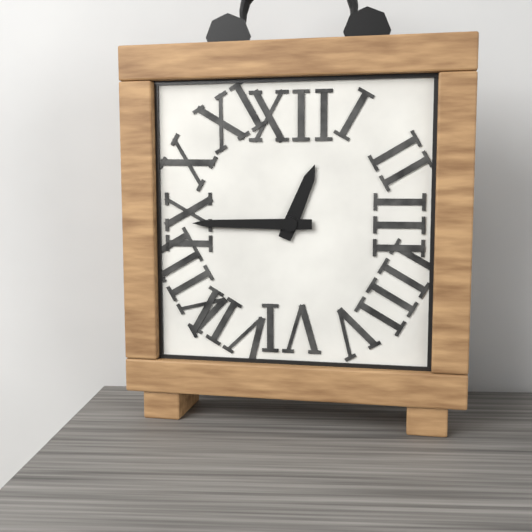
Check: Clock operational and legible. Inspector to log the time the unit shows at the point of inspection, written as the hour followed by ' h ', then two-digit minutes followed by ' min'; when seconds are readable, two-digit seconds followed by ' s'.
12 h 45 min
